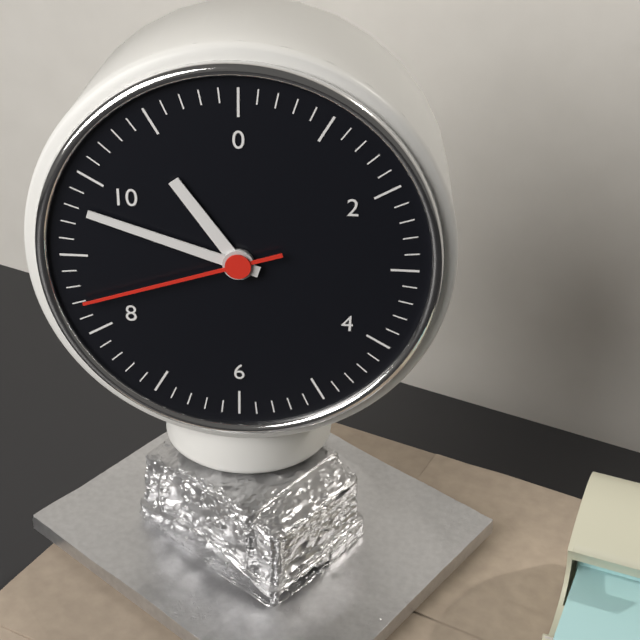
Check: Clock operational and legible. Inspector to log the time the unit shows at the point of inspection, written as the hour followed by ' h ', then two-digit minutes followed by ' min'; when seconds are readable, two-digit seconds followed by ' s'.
10 h 48 min 42 s
